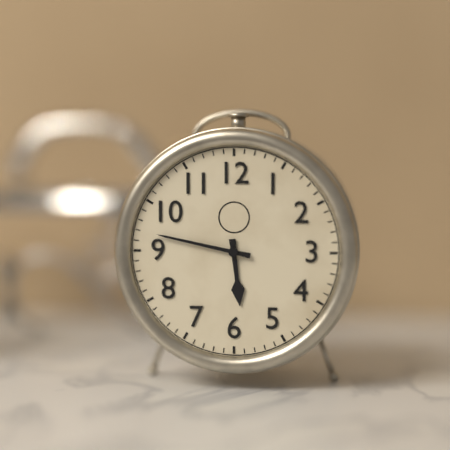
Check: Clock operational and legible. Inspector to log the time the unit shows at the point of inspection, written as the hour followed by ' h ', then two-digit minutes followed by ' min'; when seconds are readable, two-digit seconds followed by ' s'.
5 h 47 min
